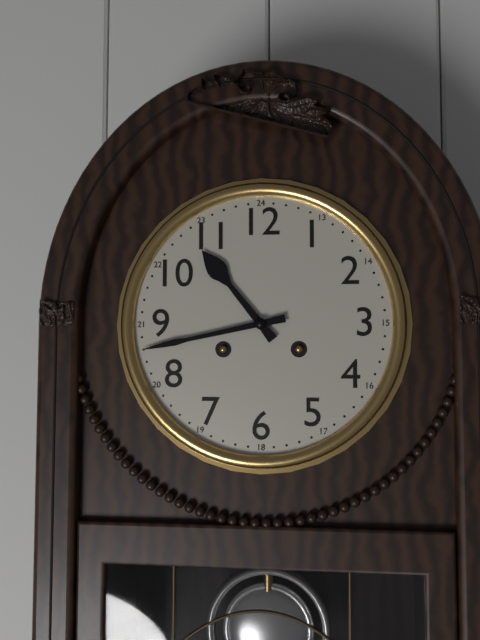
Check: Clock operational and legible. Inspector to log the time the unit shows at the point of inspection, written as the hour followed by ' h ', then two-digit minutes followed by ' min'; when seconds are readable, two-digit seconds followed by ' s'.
10 h 43 min
